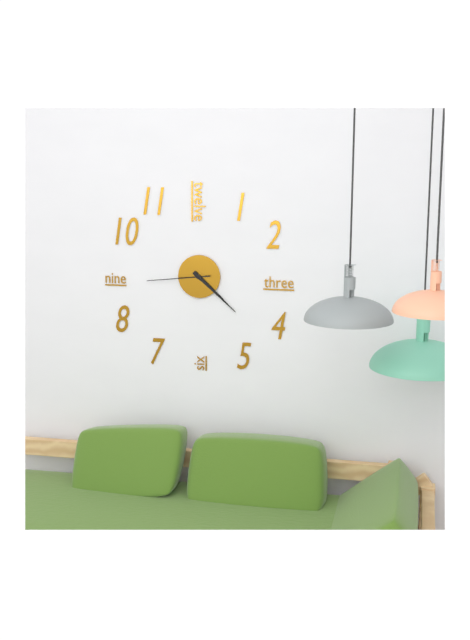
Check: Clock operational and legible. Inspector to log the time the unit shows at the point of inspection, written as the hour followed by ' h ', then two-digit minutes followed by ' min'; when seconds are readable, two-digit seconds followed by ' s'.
4 h 22 min 44 s
